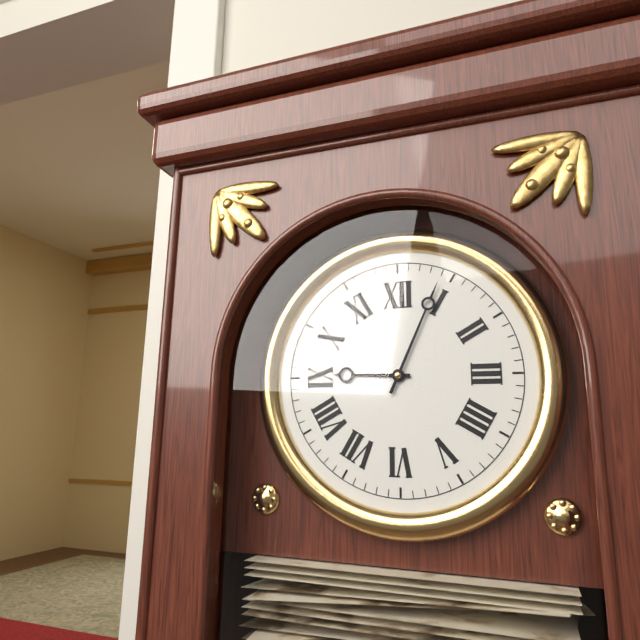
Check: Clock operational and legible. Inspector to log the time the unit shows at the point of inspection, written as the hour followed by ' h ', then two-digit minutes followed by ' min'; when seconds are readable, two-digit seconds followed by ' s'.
9 h 04 min
